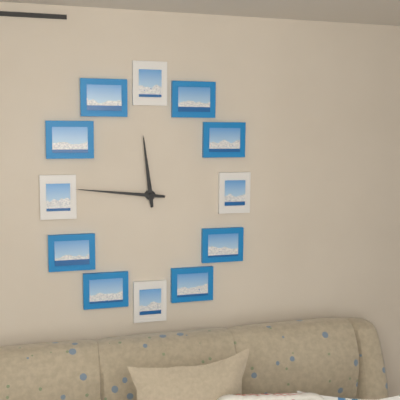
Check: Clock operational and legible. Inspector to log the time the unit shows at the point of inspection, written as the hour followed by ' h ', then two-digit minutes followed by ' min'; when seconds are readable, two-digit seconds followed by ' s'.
11 h 46 min
